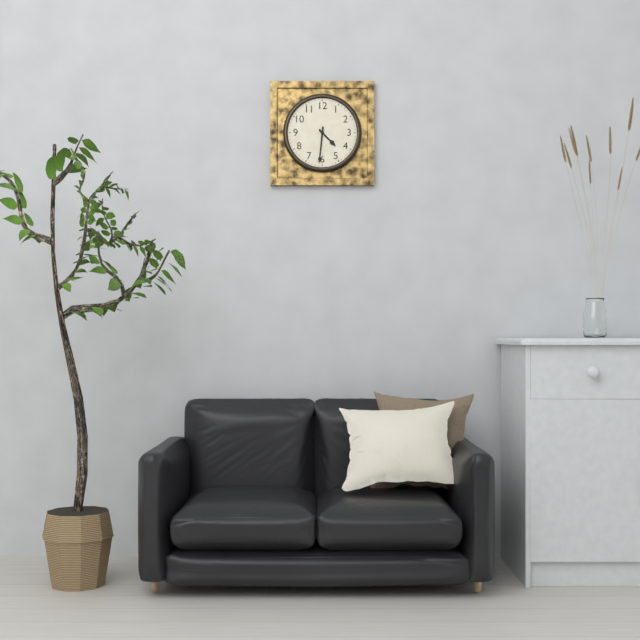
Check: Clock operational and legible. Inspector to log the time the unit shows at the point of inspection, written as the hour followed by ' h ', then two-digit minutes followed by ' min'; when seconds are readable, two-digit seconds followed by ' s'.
4 h 31 min
